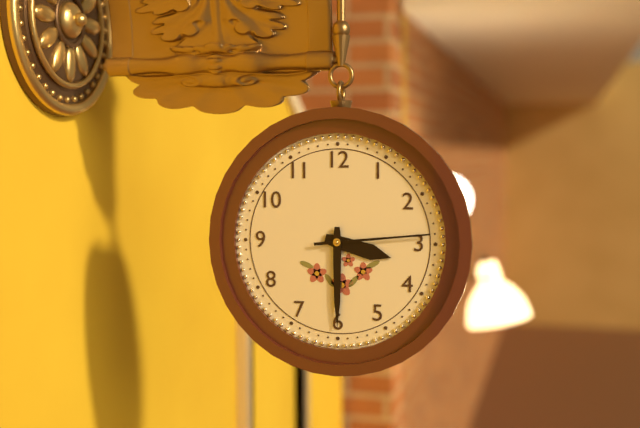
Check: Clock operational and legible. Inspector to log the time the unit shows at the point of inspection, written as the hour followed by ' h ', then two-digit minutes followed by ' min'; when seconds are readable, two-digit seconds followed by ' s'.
3 h 30 min 14 s
